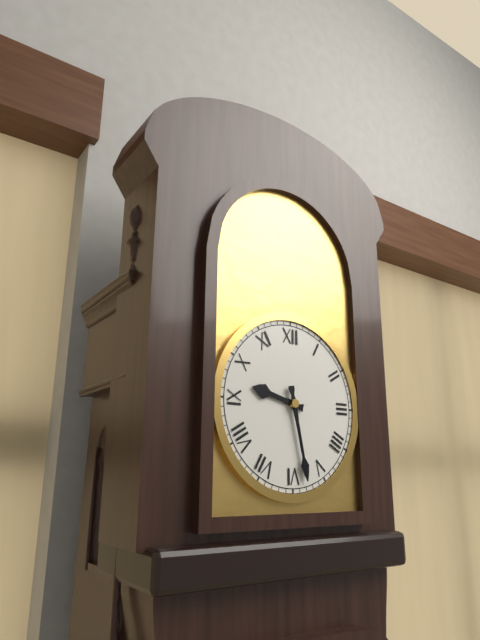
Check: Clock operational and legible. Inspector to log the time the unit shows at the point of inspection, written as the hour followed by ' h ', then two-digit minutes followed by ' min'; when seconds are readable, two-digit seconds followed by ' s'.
9 h 28 min
